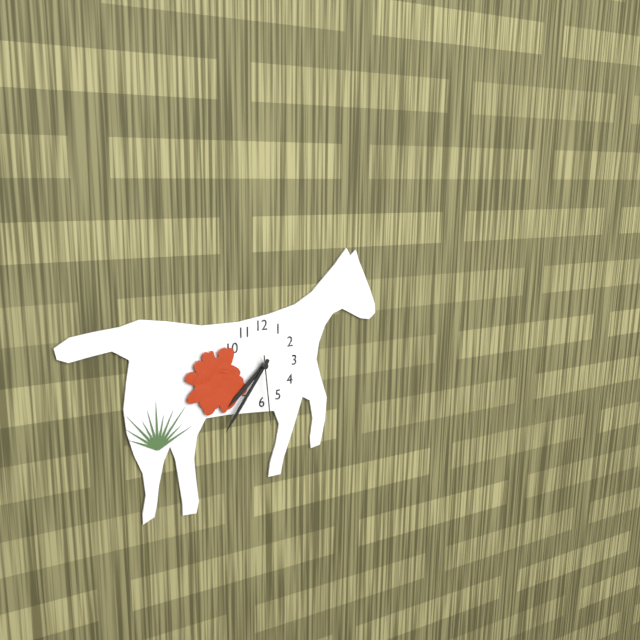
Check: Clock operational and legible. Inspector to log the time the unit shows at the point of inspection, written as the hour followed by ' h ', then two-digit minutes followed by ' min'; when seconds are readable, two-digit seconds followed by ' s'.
7 h 36 min 29 s
